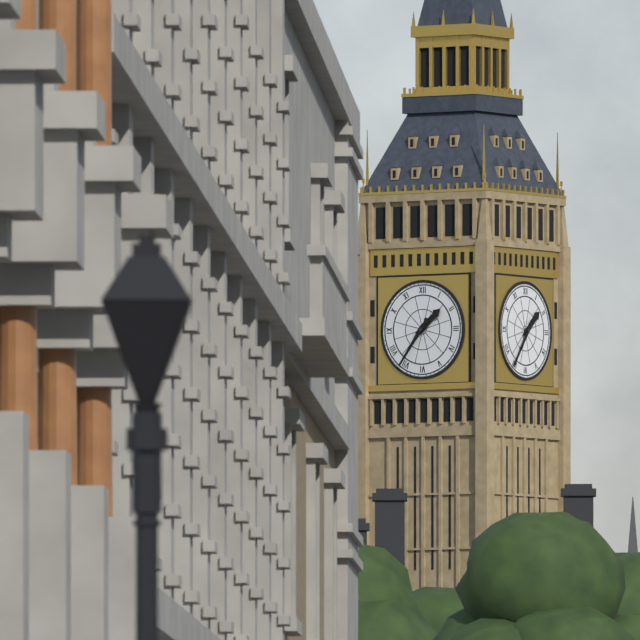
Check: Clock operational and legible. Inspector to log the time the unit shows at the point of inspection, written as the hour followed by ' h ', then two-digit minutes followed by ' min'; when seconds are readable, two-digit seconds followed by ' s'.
1 h 36 min
